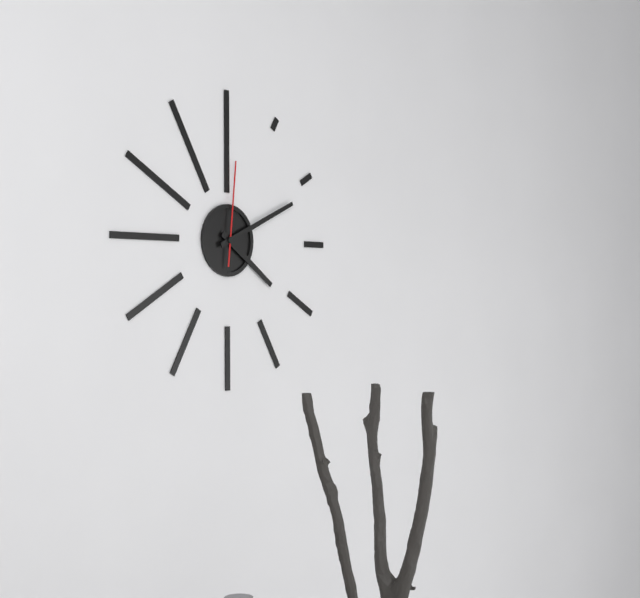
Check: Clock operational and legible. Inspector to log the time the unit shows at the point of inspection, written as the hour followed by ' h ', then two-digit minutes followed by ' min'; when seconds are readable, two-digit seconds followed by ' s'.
4 h 11 min 01 s
